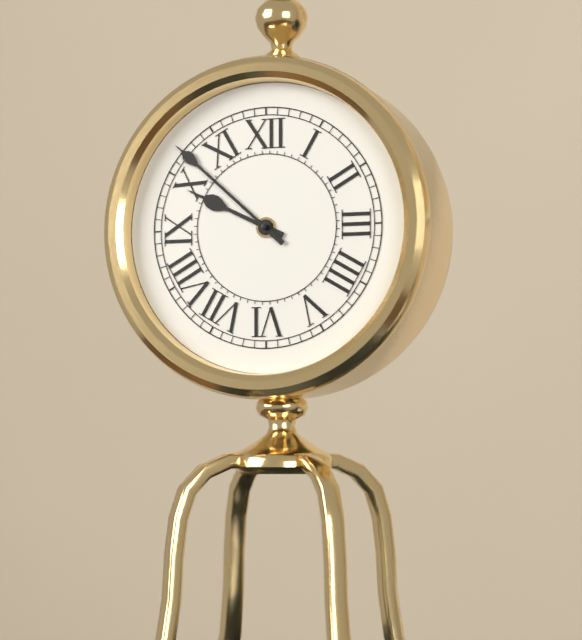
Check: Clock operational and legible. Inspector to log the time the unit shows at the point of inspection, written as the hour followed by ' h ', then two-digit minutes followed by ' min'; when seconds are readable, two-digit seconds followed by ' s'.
9 h 52 min
